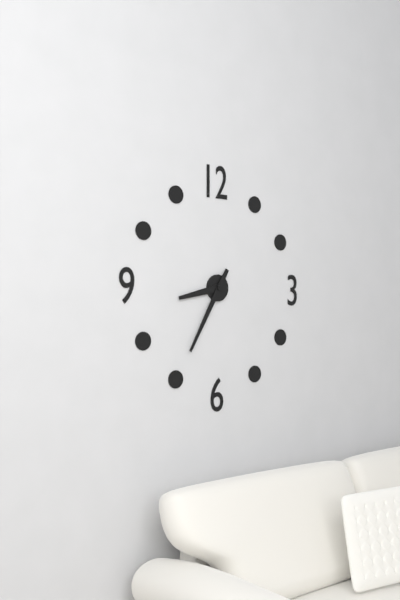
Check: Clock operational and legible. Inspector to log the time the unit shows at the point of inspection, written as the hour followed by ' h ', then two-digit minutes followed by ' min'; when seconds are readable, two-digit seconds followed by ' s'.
8 h 35 min
